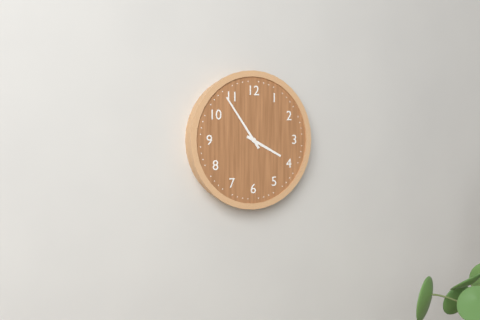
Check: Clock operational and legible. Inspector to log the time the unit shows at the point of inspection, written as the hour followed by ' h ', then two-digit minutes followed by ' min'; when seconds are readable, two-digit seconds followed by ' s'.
3 h 54 min
